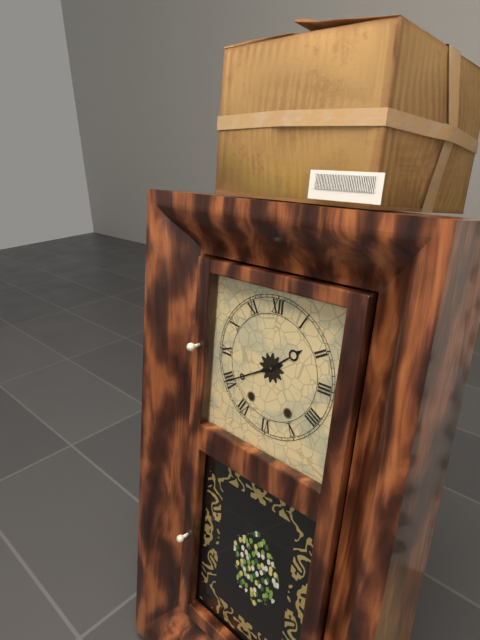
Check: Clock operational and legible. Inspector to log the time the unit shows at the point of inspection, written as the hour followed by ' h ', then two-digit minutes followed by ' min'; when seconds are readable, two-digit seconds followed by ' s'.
1 h 40 min
